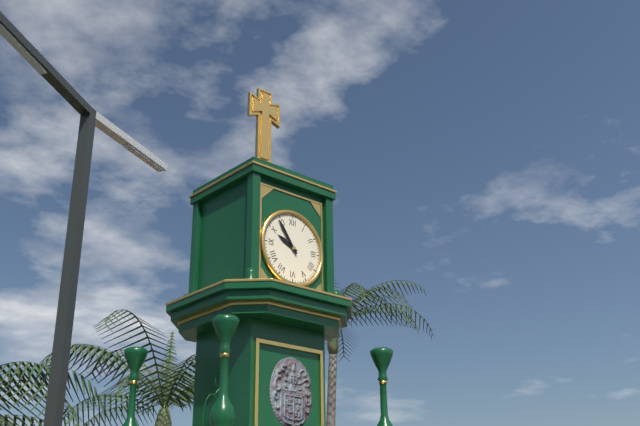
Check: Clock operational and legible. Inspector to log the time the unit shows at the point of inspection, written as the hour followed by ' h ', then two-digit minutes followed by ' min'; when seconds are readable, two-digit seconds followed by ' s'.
9 h 54 min
